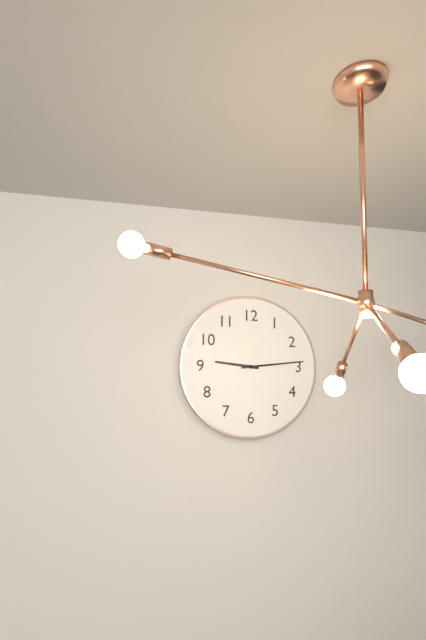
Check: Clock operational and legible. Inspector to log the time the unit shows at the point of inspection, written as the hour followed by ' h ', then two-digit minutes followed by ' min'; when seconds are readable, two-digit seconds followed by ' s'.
9 h 14 min
